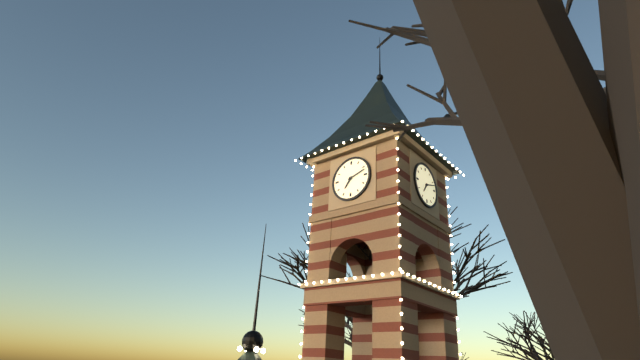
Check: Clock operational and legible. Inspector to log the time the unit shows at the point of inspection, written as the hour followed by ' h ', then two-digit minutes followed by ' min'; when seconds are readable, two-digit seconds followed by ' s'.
7 h 12 min
